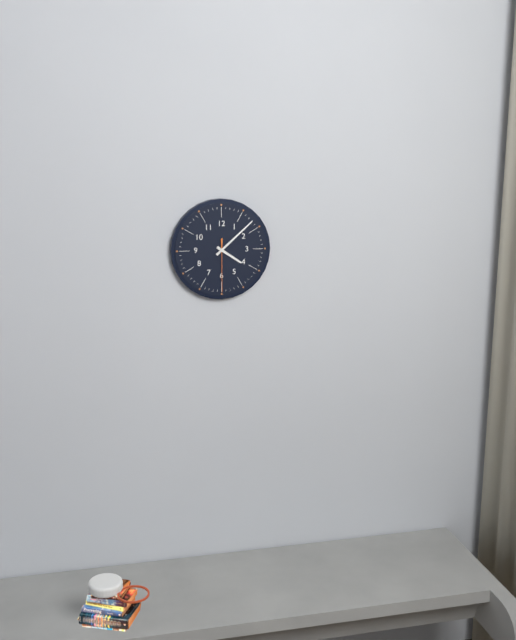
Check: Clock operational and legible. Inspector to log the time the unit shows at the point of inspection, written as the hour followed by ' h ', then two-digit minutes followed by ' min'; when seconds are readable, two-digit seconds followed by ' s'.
4 h 08 min 30 s
